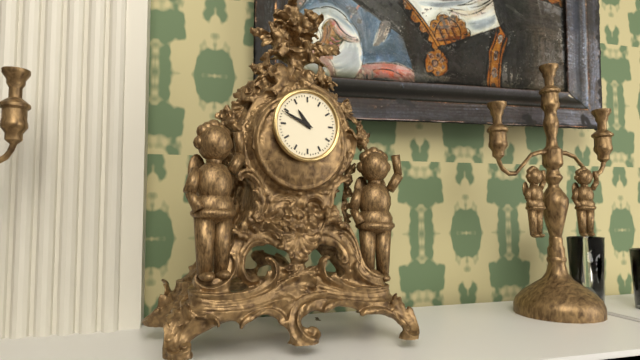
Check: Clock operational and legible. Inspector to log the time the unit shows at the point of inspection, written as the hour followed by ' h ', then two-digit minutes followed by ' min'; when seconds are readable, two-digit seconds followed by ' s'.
10 h 49 min
